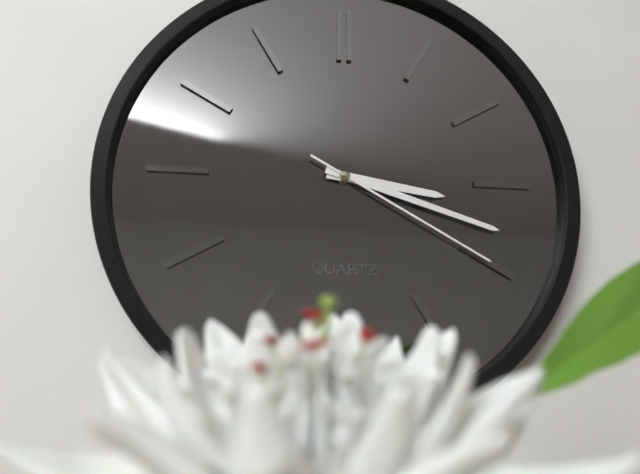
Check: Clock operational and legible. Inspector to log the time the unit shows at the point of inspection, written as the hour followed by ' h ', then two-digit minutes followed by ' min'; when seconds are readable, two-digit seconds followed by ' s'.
3 h 18 min 20 s
